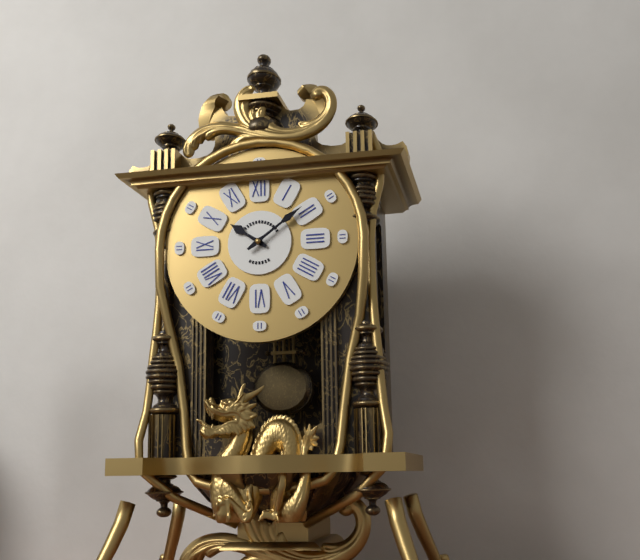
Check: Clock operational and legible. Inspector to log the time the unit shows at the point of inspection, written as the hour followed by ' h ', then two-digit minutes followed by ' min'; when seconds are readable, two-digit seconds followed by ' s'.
10 h 09 min
